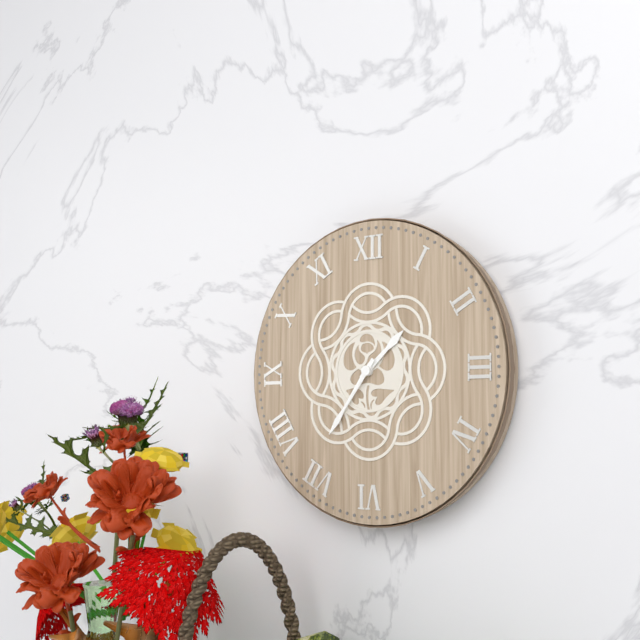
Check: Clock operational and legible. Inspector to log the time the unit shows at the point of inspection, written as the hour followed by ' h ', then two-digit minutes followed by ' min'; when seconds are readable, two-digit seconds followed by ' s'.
1 h 36 min
